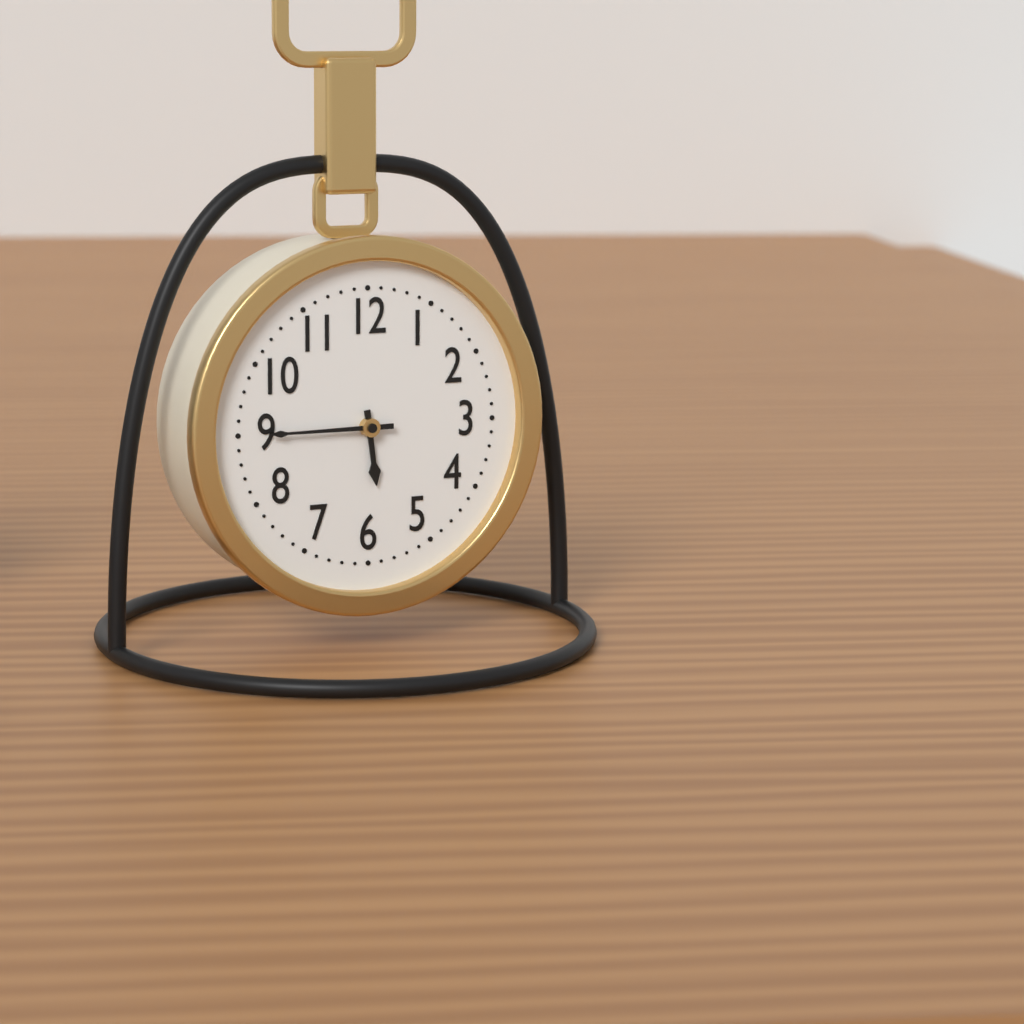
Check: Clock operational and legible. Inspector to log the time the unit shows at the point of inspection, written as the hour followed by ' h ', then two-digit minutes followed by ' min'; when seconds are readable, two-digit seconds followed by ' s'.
5 h 45 min
